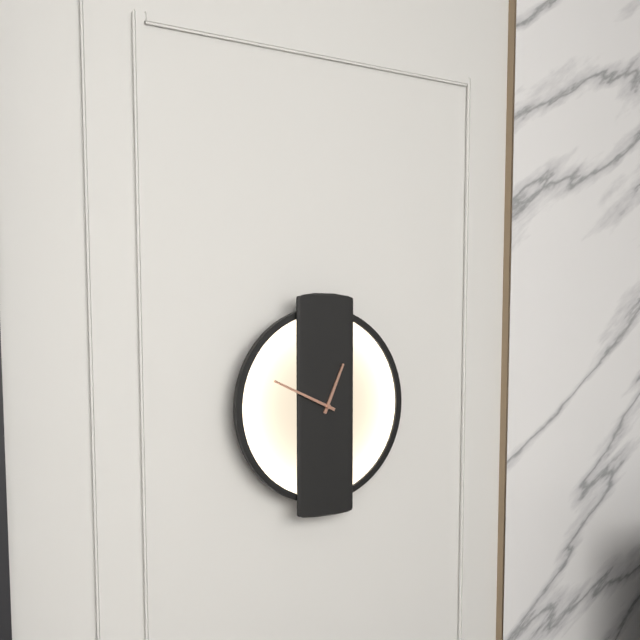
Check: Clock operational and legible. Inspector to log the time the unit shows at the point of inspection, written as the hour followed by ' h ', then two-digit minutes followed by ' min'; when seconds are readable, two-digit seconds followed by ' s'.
12 h 49 min
